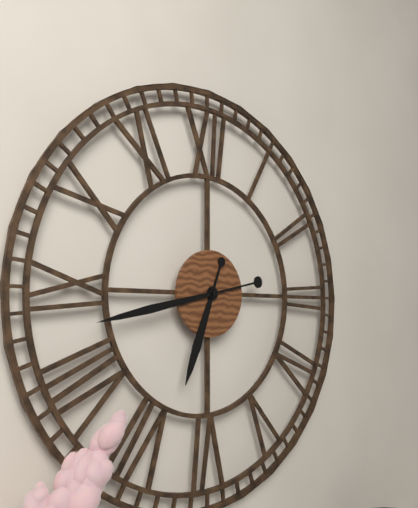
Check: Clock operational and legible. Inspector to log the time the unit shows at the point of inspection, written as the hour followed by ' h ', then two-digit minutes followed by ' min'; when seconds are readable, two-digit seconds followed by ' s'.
6 h 43 min
